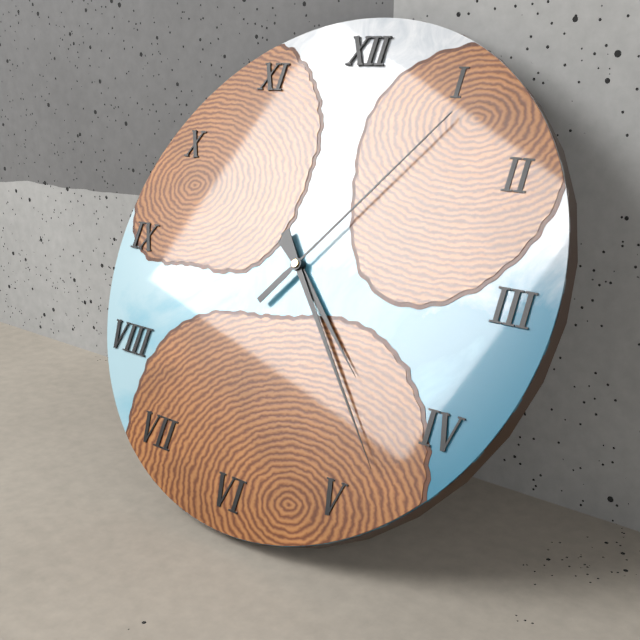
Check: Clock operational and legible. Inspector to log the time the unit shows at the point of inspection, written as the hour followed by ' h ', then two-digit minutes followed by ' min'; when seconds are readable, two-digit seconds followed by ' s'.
4 h 23 min 06 s
